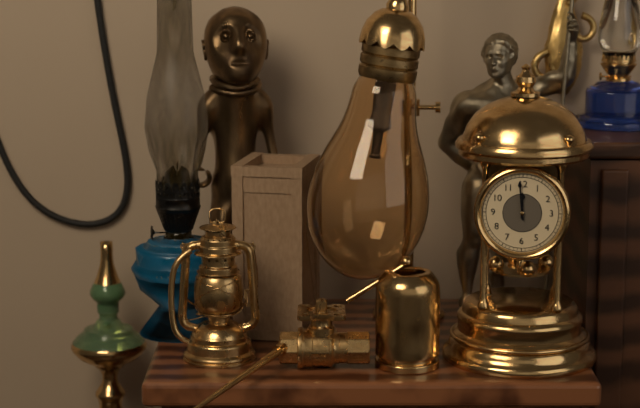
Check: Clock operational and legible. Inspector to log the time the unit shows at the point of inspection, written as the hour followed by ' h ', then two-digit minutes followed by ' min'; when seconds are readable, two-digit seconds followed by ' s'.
11 h 59 min
